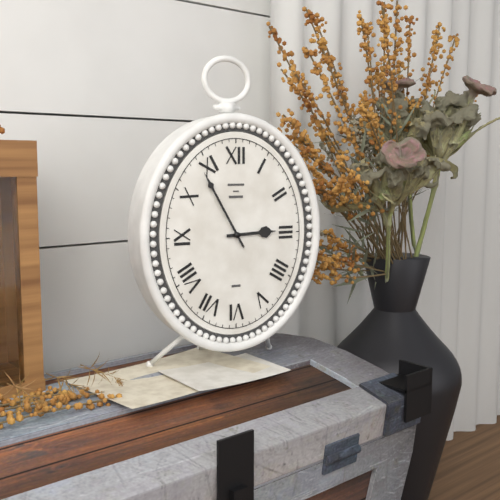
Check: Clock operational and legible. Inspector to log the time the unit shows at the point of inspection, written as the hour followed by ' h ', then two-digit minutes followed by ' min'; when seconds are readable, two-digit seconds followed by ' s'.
2 h 55 min
